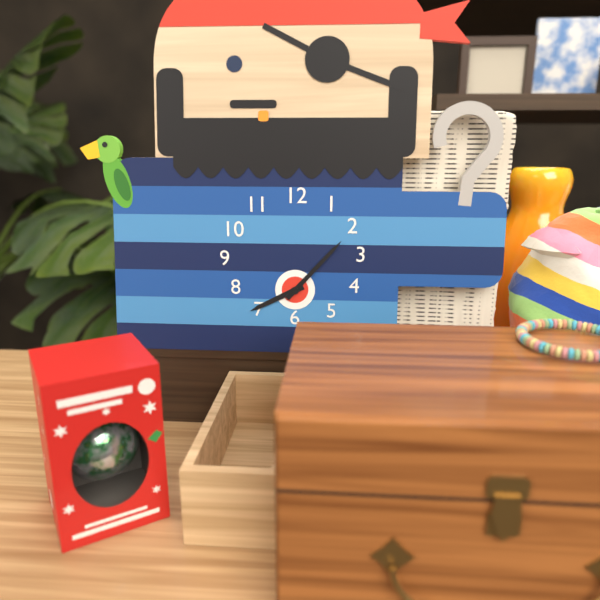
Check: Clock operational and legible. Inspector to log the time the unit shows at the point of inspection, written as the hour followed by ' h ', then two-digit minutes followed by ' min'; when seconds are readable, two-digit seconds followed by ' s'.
8 h 07 min
